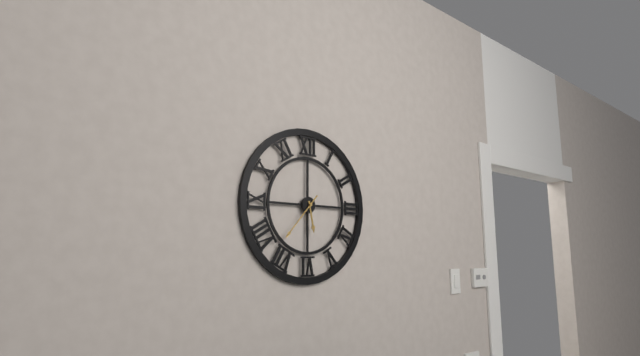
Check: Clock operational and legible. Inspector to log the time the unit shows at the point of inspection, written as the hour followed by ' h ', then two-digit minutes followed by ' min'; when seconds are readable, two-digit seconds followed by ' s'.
5 h 37 min
